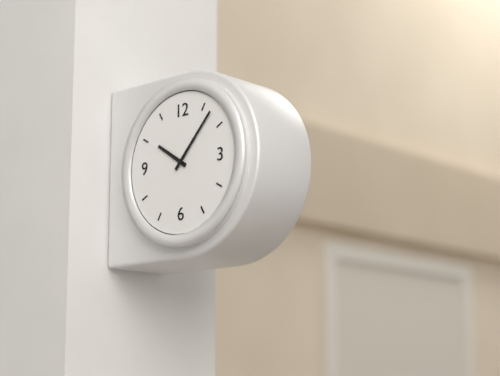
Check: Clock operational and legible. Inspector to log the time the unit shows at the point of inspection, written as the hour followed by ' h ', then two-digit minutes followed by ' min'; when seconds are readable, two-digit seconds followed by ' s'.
10 h 07 min
